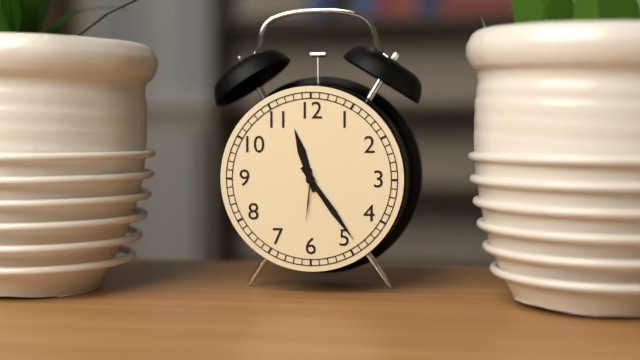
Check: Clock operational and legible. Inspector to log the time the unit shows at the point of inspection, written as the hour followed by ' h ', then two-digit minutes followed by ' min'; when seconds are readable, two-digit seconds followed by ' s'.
11 h 24 min 31 s
